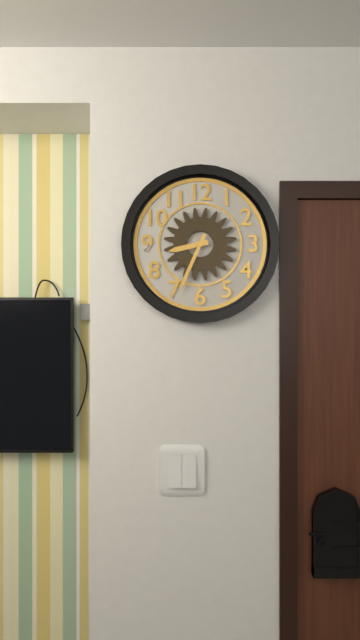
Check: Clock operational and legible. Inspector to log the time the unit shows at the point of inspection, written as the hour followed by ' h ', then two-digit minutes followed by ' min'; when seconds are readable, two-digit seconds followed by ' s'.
8 h 34 min
